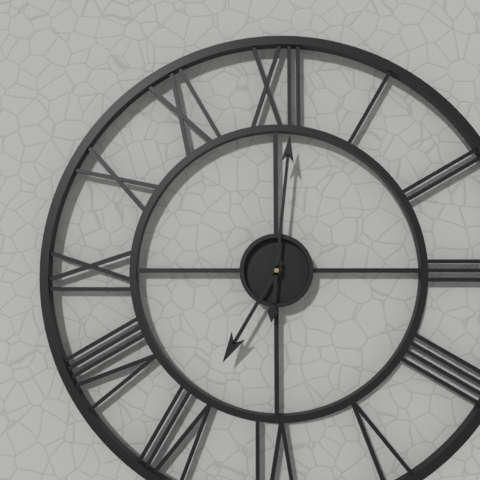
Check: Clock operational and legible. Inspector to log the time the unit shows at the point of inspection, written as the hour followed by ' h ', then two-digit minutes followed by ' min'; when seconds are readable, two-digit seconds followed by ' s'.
7 h 01 min
